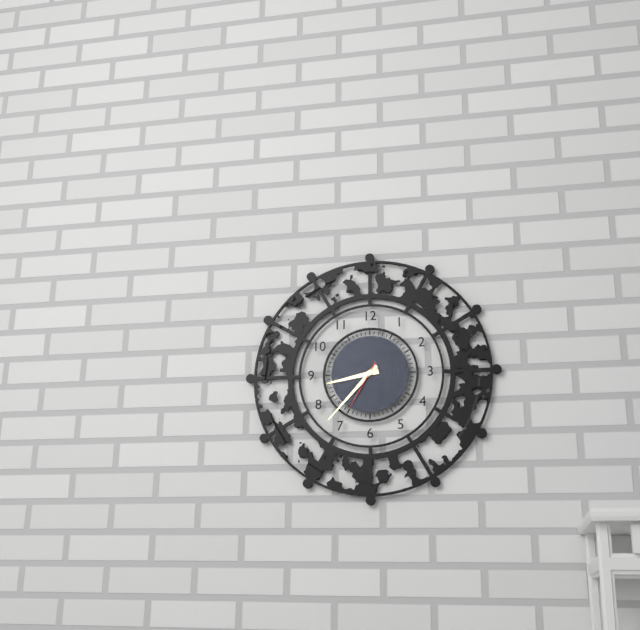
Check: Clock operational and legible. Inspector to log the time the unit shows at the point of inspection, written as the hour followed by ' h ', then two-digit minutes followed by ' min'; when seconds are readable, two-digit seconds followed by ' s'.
8 h 37 min 35 s
